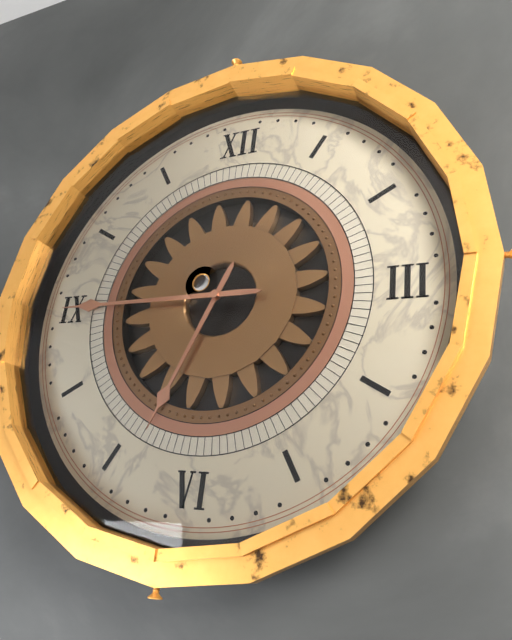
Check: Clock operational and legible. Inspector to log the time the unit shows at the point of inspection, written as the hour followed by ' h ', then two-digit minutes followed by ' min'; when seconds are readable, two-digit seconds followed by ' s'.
6 h 45 min
